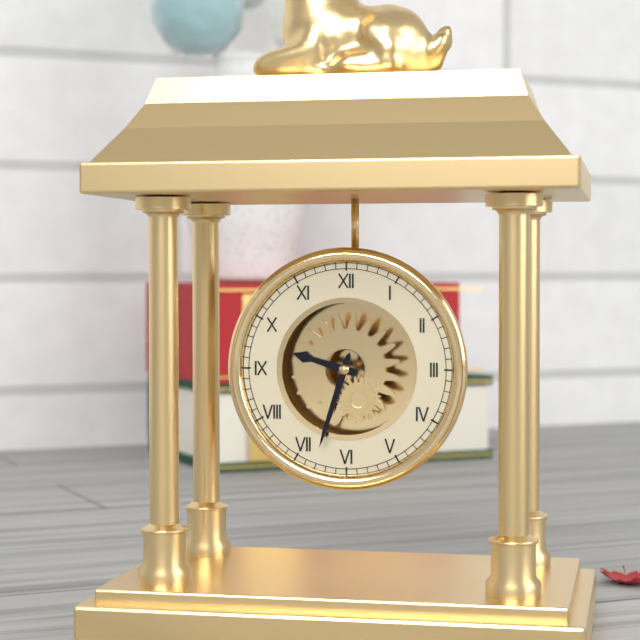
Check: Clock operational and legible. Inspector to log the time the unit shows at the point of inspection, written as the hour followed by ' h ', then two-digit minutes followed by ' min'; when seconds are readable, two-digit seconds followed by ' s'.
9 h 33 min
